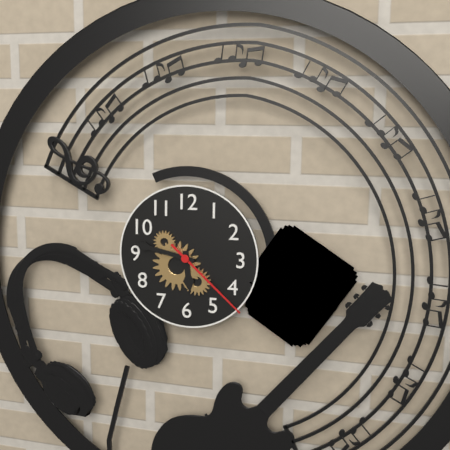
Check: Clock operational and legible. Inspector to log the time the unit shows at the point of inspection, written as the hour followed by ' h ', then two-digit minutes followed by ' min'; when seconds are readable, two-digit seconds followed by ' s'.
5 h 47 min 22 s
